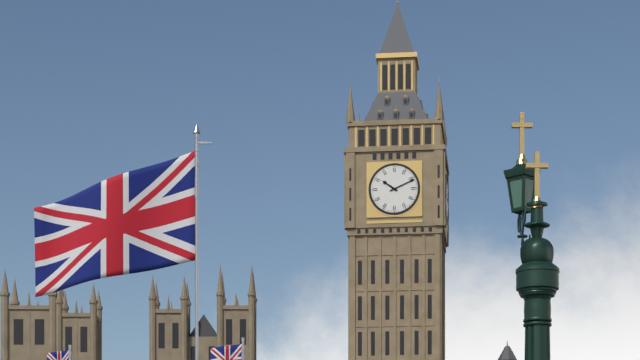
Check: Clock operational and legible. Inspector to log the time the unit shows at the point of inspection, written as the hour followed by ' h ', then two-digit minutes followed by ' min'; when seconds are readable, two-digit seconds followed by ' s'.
10 h 11 min
